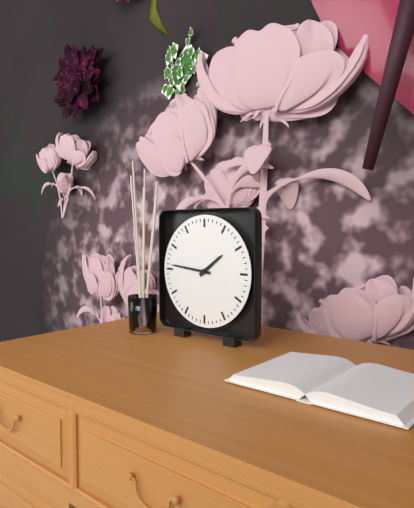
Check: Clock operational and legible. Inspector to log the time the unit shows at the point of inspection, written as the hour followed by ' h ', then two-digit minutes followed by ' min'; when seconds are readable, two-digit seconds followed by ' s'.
1 h 46 min
